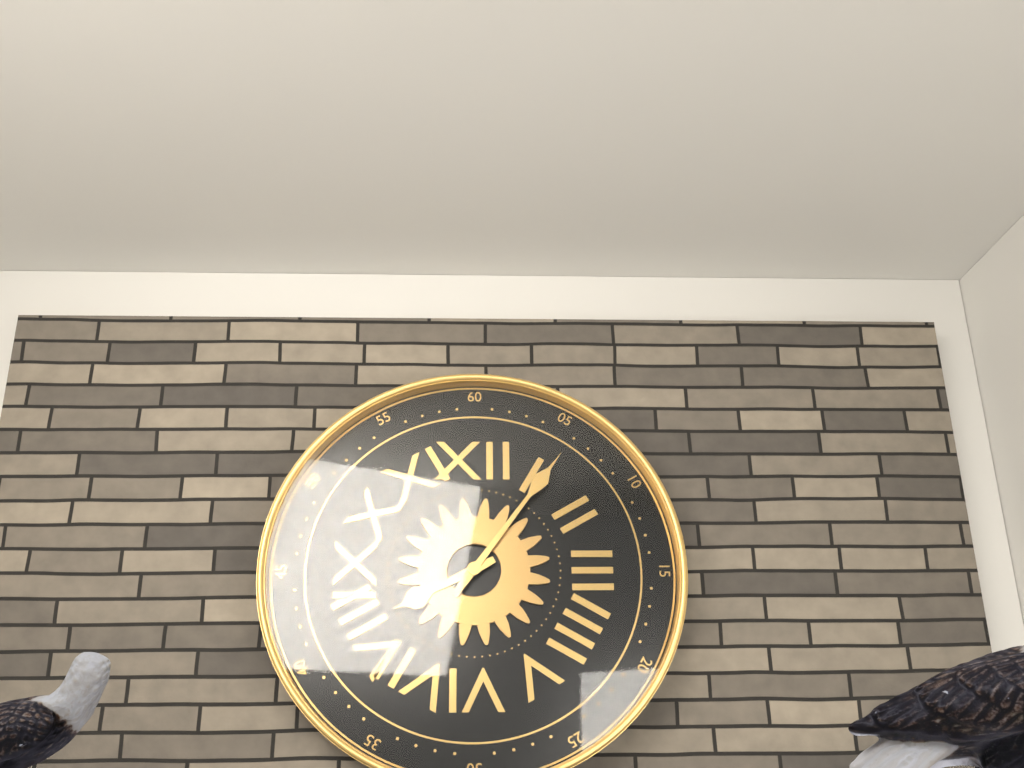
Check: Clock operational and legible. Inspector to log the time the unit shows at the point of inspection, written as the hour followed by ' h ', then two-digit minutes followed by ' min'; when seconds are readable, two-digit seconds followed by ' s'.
8 h 06 min
